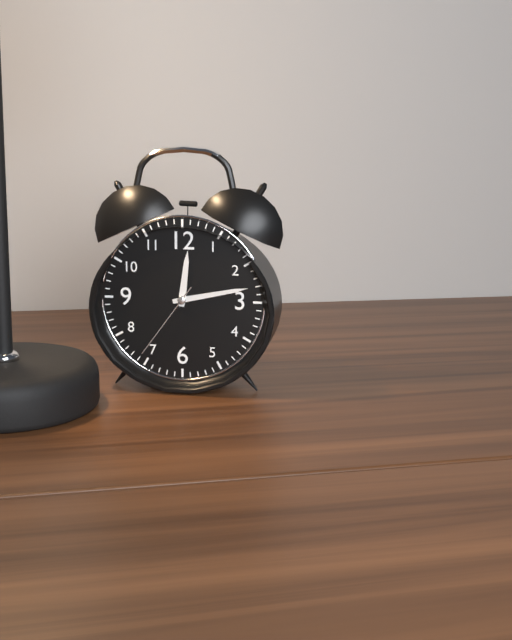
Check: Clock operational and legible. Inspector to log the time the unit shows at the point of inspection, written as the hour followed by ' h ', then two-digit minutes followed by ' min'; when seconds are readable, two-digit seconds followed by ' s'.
12 h 13 min 36 s
